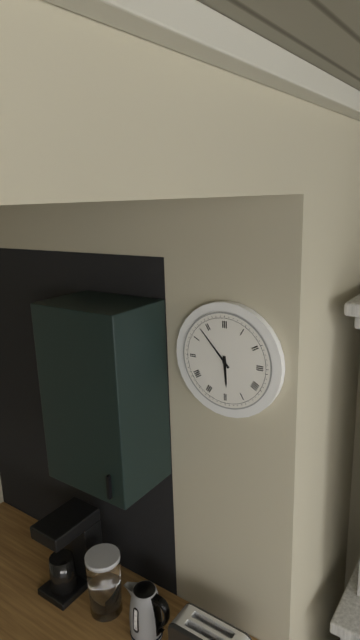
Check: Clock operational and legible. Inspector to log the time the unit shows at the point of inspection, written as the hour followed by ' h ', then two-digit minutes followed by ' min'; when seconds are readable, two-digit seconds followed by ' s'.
5 h 53 min
